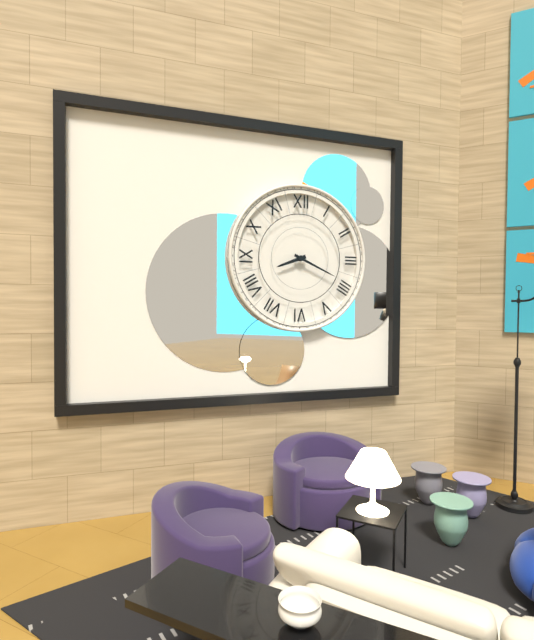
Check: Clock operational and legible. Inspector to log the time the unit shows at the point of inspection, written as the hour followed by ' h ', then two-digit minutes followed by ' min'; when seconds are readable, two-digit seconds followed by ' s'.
8 h 19 min
